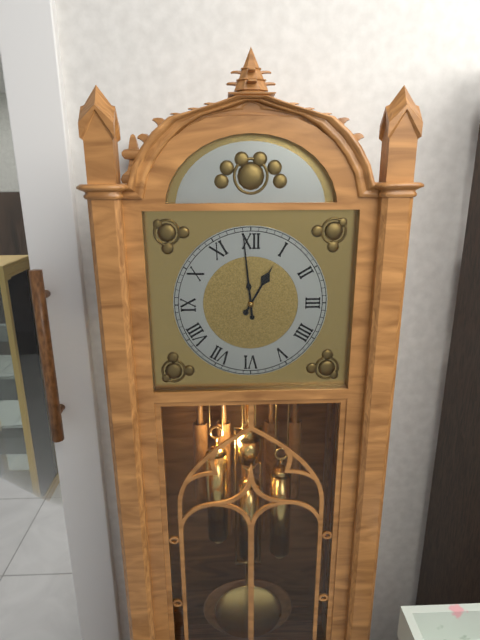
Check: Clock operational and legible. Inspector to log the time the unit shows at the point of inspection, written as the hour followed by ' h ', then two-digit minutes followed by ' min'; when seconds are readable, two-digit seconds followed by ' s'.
12 h 59 min
